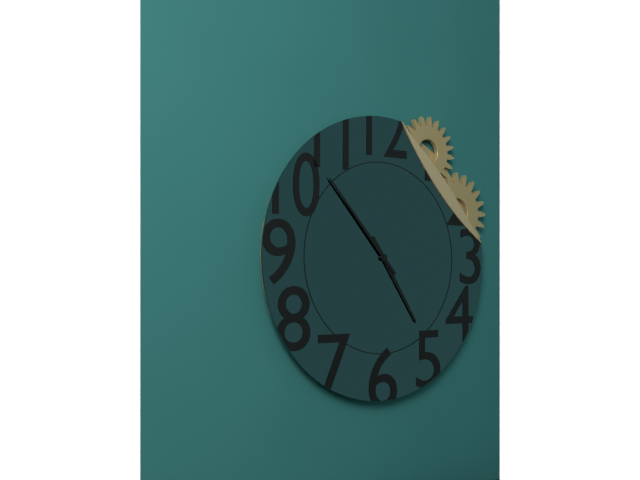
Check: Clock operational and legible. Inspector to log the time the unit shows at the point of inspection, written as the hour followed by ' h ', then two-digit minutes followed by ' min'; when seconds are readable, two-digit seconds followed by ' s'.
4 h 53 min
